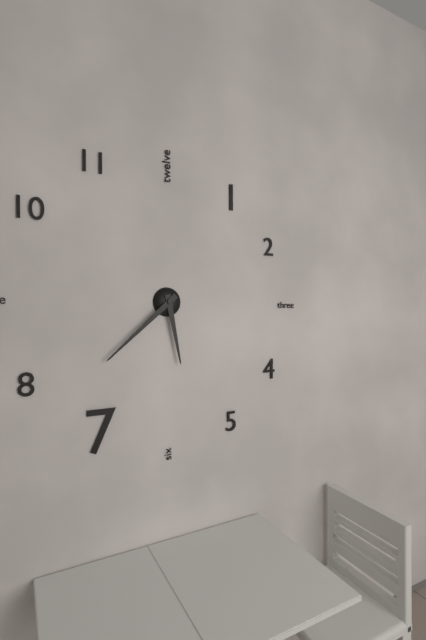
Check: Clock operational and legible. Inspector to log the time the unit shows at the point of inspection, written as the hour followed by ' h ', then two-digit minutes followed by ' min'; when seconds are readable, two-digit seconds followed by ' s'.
5 h 38 min
